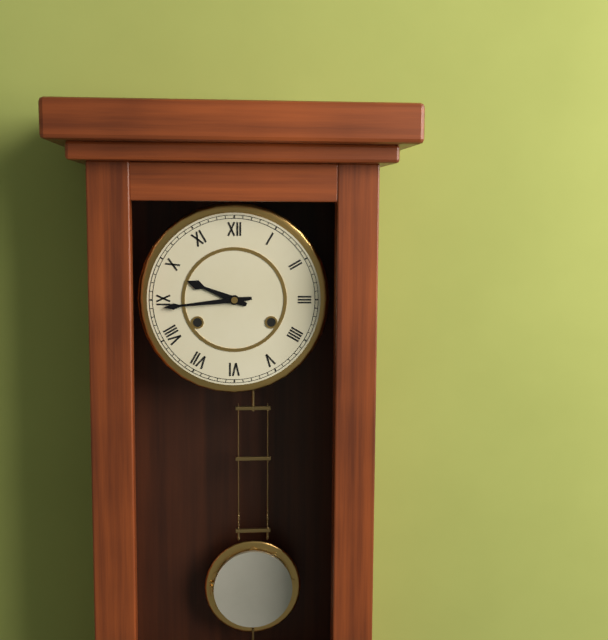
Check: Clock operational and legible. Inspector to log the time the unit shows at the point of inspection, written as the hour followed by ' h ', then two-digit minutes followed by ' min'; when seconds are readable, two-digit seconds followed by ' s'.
9 h 44 min
